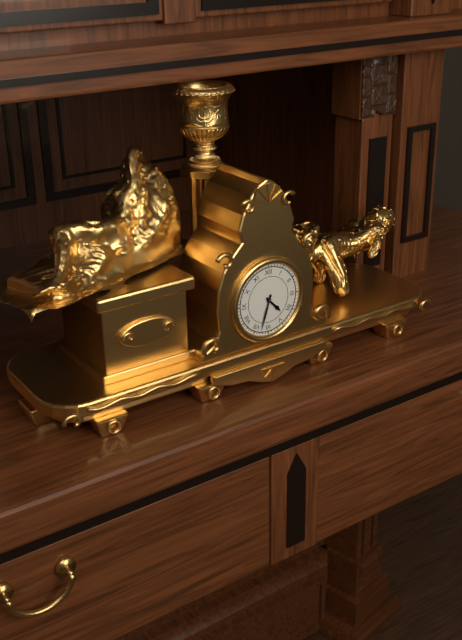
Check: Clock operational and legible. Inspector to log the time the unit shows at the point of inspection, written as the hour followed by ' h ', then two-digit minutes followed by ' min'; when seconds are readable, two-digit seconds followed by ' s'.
4 h 33 min
